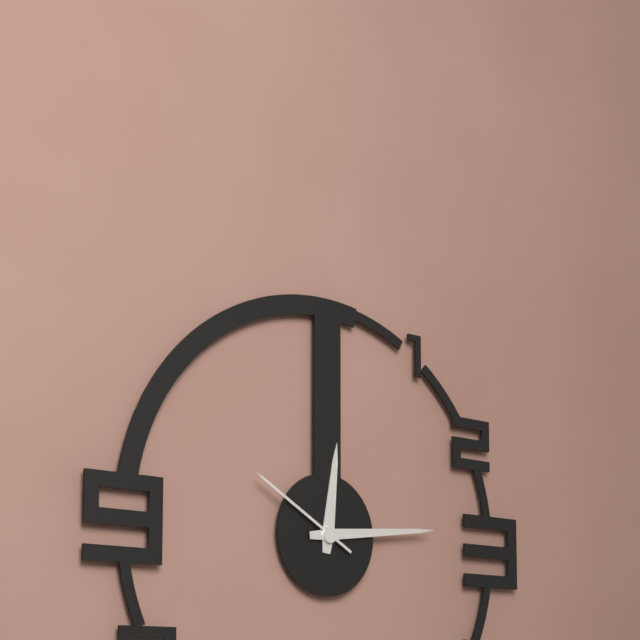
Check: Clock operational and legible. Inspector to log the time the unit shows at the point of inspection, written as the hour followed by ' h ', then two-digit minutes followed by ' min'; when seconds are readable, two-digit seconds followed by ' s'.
12 h 14 min 50 s
